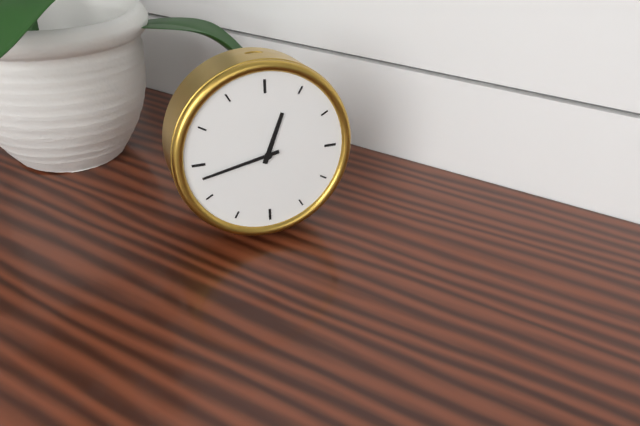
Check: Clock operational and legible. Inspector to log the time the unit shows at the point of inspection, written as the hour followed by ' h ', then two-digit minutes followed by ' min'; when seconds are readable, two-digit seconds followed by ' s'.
12 h 43 min
